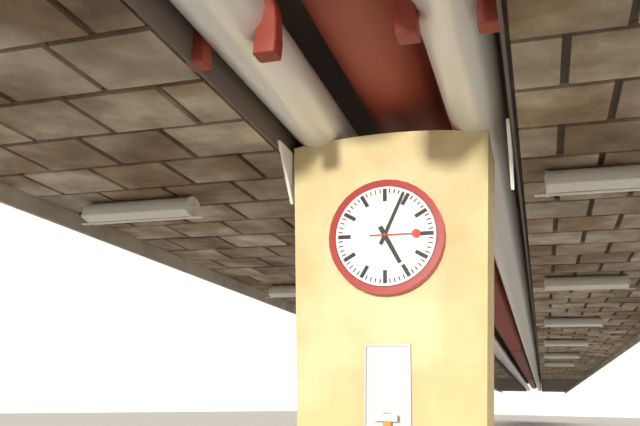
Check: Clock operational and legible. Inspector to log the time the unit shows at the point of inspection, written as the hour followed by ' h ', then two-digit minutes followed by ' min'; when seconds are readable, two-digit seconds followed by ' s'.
5 h 04 min
